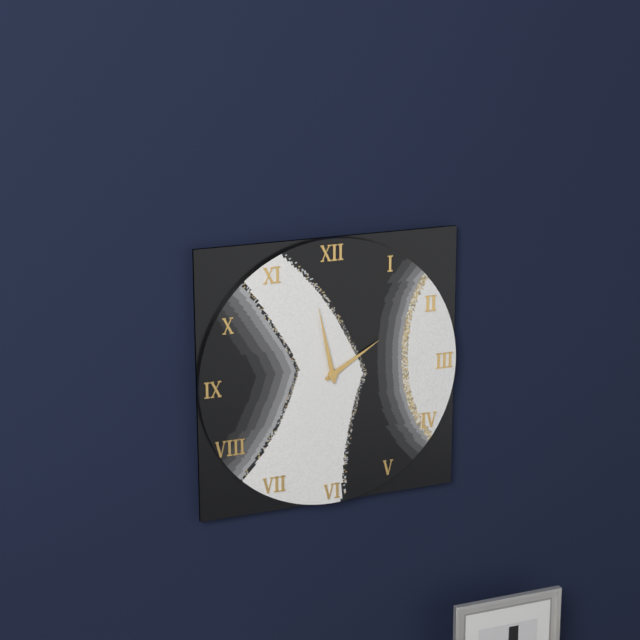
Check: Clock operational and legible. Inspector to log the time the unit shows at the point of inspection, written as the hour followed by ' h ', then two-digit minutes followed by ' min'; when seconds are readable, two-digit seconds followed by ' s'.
1 h 58 min
